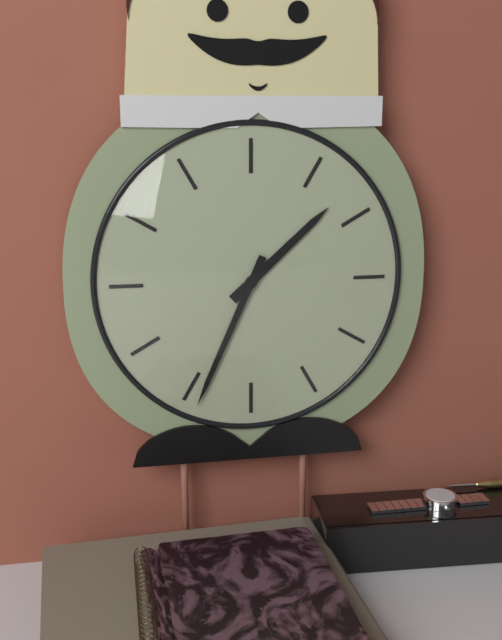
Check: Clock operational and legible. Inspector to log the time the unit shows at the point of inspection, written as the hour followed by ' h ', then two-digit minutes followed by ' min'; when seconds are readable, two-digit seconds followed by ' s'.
1 h 34 min
